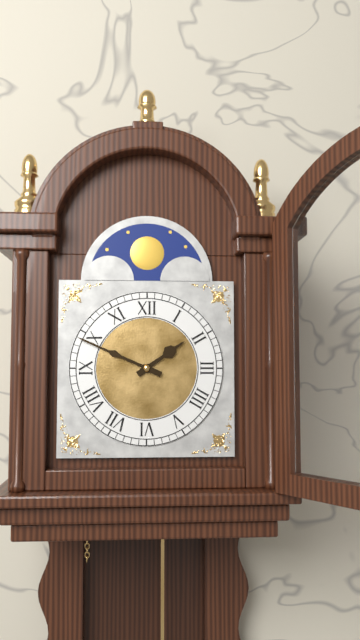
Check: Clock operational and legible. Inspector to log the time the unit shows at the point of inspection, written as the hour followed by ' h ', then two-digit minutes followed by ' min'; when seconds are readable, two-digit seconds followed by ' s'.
1 h 49 min
